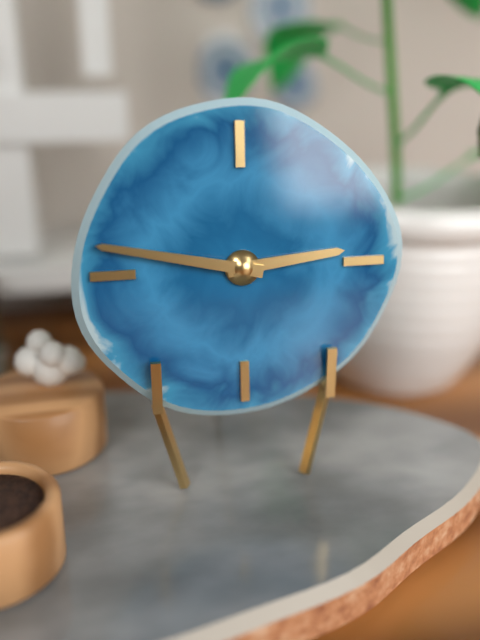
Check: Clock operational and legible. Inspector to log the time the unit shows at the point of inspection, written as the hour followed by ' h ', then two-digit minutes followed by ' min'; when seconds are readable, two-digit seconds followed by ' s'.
2 h 47 min
